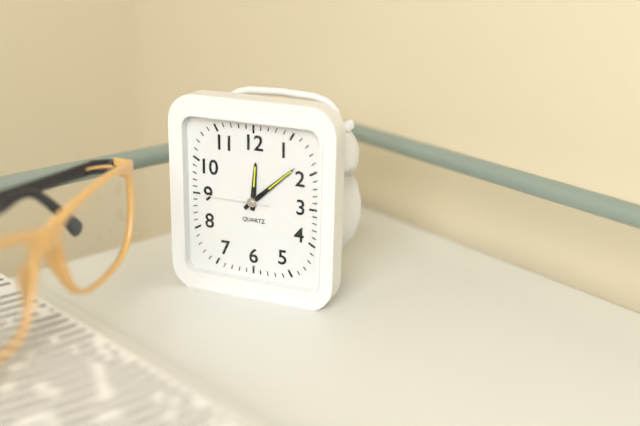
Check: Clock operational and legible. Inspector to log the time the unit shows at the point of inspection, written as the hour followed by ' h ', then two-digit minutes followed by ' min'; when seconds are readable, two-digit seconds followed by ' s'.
12 h 08 min 45 s
